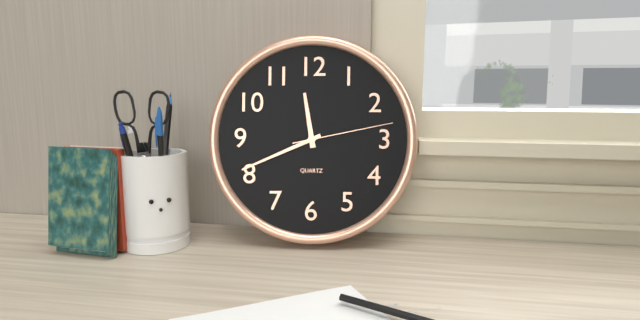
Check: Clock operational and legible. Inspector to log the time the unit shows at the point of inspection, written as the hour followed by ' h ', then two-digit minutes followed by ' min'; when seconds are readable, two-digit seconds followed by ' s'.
11 h 41 min 13 s
